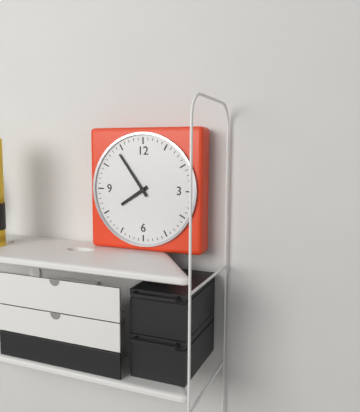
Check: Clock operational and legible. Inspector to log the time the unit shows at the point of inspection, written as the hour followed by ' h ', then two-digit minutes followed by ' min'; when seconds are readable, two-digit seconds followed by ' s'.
7 h 54 min
